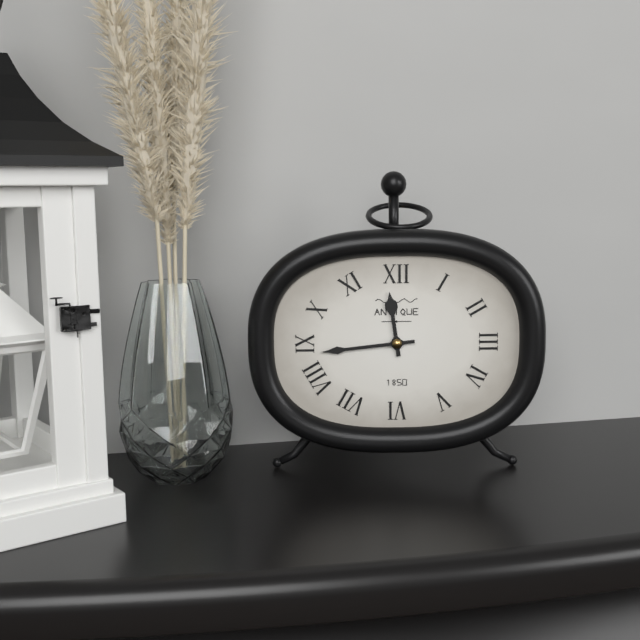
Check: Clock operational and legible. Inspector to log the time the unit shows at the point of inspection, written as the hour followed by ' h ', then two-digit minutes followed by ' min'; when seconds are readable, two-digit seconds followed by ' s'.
11 h 44 min
